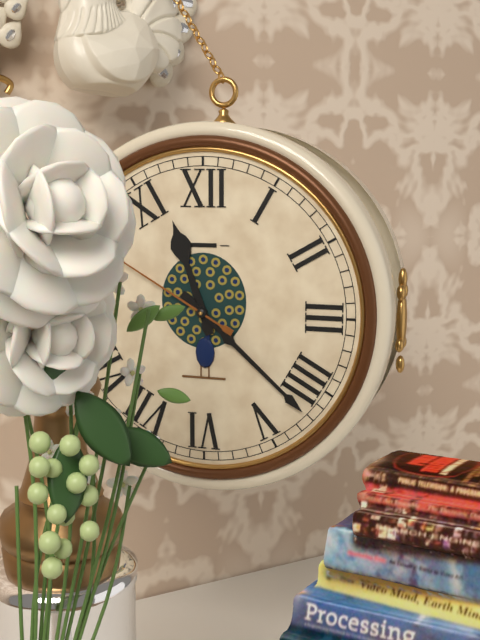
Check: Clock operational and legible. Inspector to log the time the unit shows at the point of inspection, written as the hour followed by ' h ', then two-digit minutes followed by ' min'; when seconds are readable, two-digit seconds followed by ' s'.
11 h 22 min 50 s
